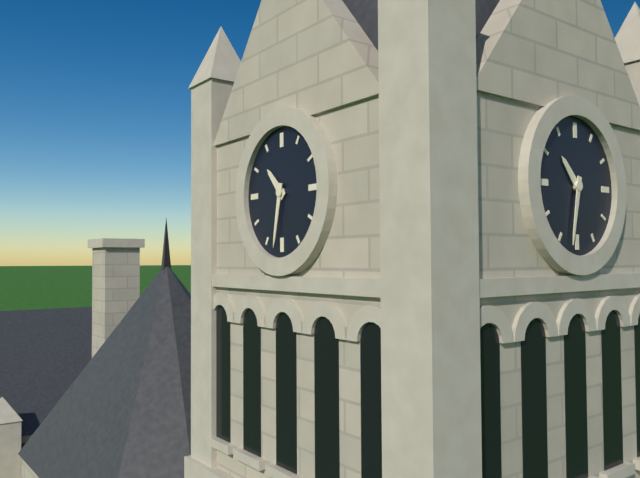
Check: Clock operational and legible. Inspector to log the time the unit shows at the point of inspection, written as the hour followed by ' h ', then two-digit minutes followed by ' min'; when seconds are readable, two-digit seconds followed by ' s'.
10 h 32 min
